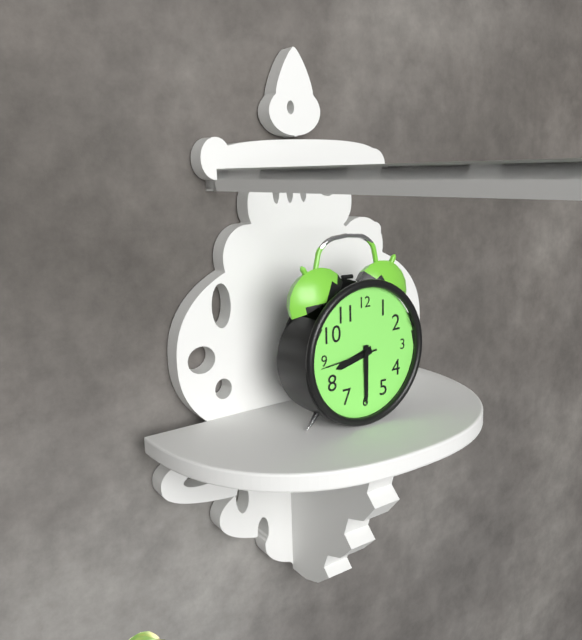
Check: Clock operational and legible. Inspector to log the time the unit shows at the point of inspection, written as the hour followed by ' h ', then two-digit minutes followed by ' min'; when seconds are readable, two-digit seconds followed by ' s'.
8 h 30 min 44 s
